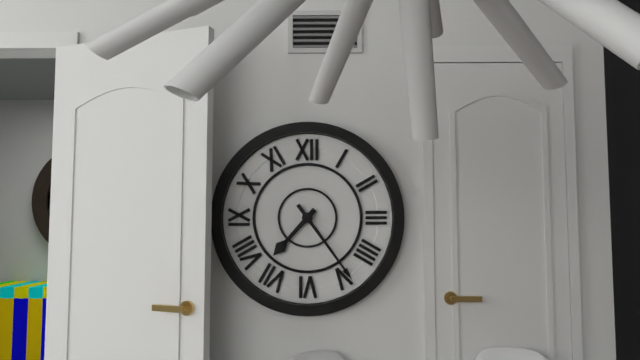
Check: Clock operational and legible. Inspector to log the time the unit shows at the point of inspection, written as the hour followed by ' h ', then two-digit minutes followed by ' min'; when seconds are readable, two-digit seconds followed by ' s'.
7 h 24 min
